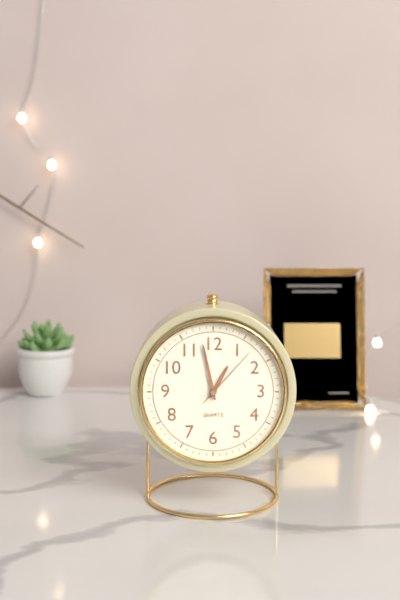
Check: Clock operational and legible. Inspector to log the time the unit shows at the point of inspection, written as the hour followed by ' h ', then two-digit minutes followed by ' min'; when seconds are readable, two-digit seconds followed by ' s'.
12 h 58 min 07 s
